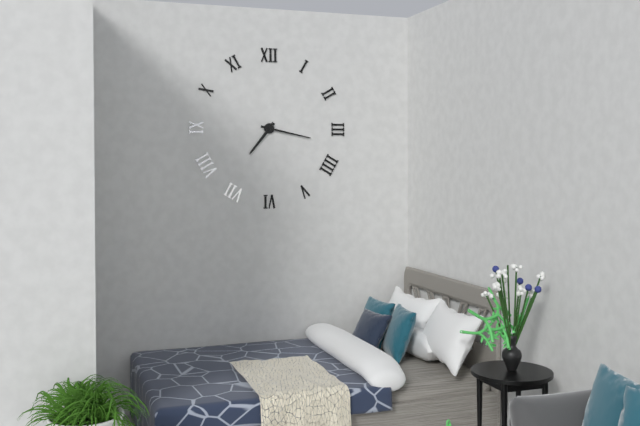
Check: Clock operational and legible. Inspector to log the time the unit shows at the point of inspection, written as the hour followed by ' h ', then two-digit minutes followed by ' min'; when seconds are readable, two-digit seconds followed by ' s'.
7 h 17 min
